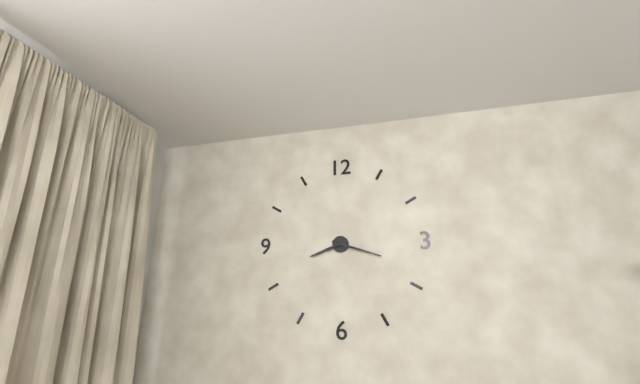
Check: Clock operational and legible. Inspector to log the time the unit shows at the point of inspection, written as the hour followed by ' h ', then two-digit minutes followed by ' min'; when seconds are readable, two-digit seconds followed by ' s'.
8 h 18 min
